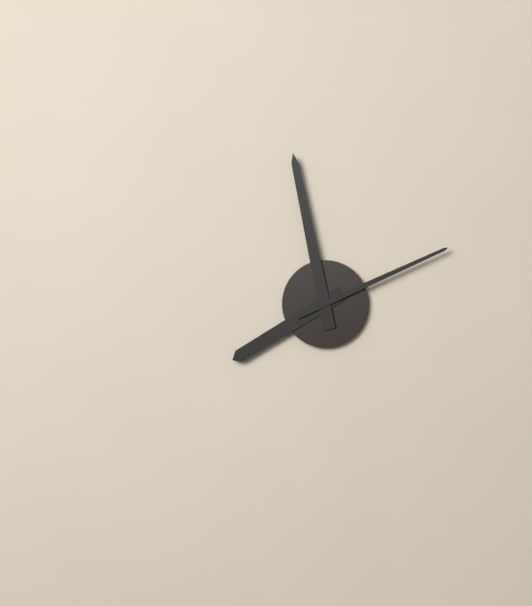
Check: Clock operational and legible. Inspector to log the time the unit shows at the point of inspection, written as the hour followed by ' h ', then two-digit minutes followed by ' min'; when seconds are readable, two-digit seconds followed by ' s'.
7 h 58 min 11 s
